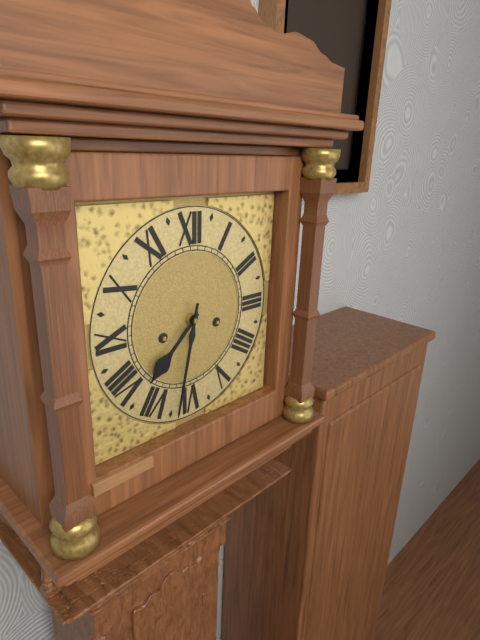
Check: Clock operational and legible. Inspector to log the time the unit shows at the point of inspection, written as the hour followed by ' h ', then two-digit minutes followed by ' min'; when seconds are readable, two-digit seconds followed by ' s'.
7 h 32 min
